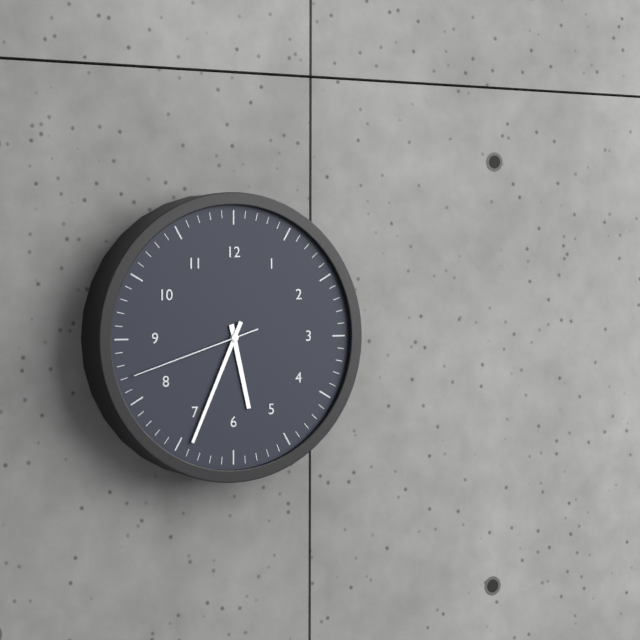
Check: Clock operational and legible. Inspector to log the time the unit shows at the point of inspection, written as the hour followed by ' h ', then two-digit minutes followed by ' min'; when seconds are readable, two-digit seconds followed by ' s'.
5 h 34 min 42 s
